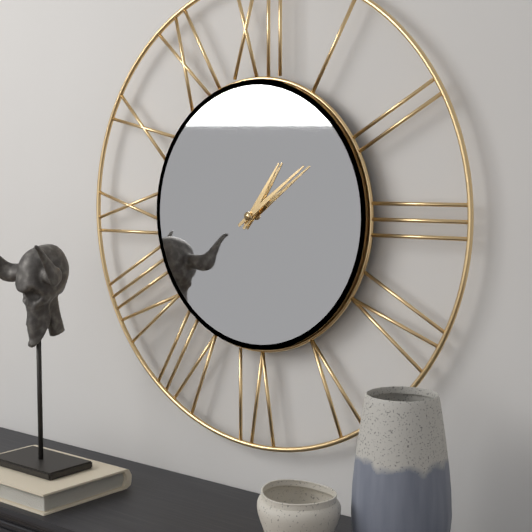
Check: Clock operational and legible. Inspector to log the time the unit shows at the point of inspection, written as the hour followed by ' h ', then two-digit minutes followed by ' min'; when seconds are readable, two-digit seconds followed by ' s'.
1 h 09 min
